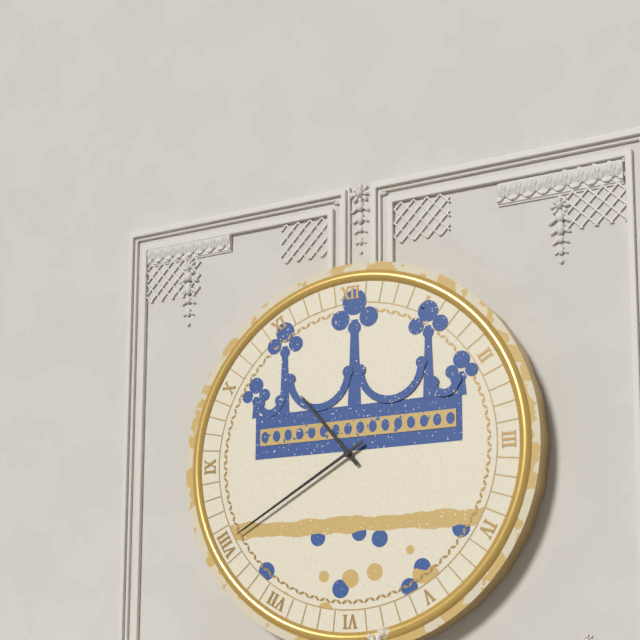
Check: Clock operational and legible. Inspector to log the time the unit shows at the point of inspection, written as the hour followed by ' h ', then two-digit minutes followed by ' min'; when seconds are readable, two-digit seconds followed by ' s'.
10 h 40 min
